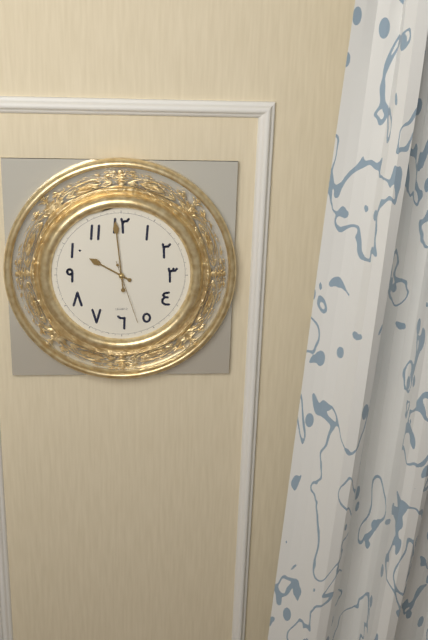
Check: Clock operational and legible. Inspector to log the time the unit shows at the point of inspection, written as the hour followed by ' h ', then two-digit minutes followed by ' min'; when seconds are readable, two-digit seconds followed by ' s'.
9 h 59 min 27 s
